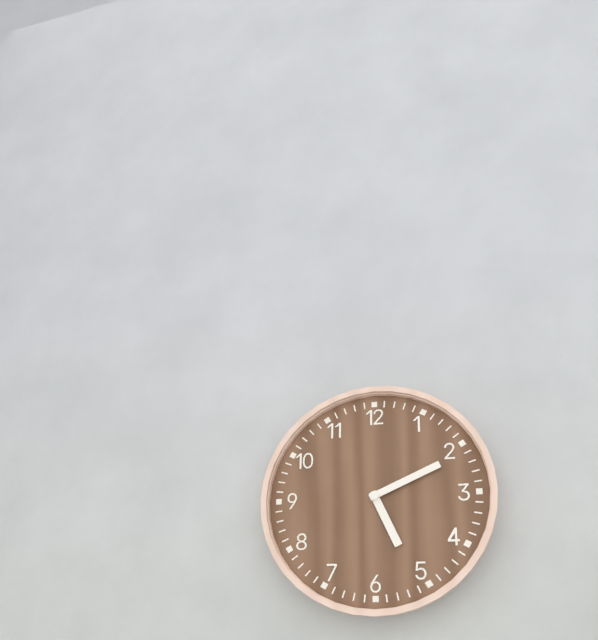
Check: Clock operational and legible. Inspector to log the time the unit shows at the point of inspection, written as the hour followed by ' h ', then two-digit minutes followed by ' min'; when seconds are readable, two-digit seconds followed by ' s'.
5 h 11 min
